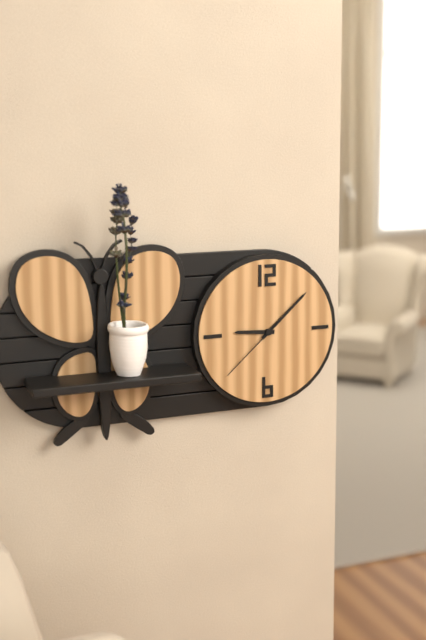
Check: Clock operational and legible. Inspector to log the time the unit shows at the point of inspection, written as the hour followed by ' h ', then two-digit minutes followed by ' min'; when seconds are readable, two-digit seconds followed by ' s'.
9 h 08 min 38 s
